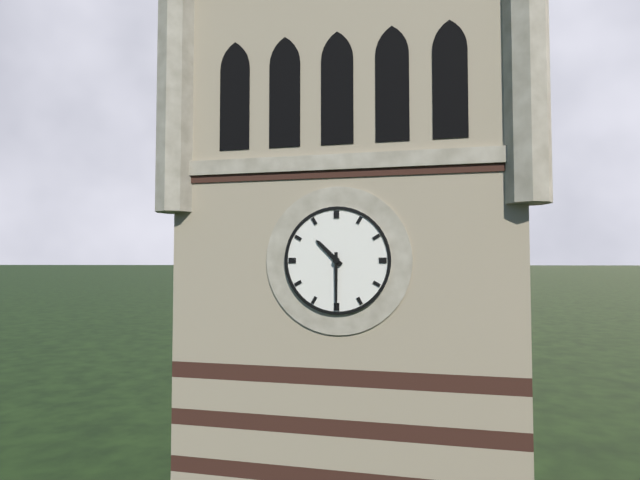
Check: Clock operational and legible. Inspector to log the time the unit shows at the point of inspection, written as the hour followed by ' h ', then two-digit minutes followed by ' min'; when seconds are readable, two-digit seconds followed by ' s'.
10 h 30 min
